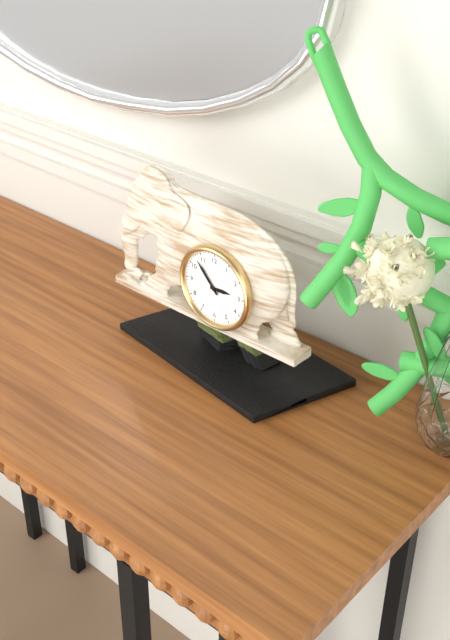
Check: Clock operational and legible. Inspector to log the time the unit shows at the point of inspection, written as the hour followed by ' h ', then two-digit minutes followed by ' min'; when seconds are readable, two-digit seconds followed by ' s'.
2 h 53 min
